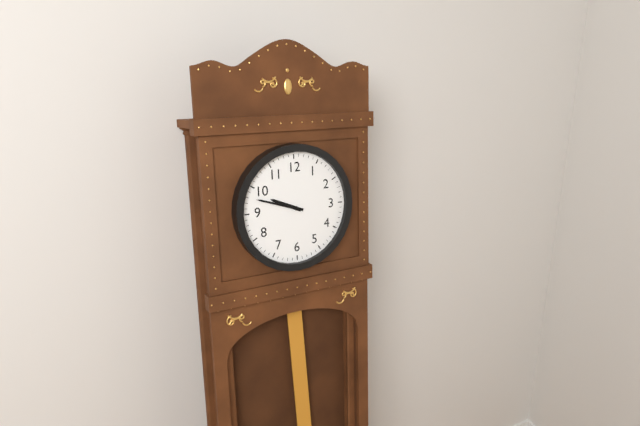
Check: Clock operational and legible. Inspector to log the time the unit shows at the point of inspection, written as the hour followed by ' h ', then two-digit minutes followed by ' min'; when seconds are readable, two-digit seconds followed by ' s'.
9 h 48 min
